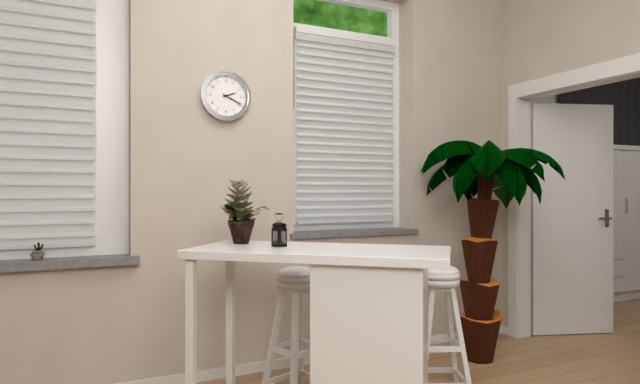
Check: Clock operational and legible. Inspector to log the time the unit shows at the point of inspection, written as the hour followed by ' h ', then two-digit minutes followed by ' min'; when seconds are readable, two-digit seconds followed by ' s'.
2 h 19 min
